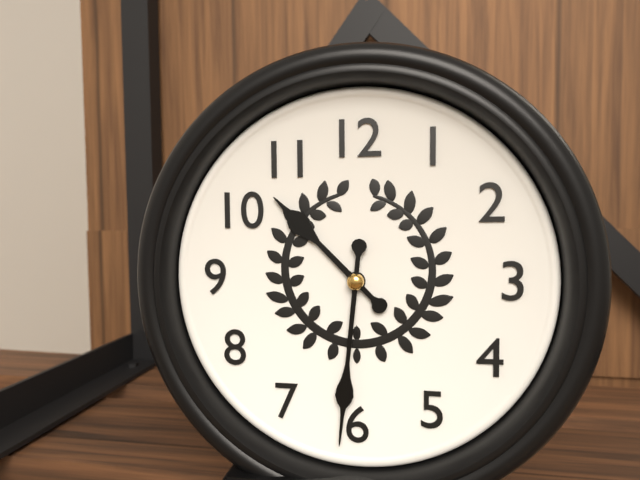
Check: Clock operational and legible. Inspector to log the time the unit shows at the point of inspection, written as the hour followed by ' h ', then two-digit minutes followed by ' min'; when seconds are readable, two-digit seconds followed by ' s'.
10 h 31 min
